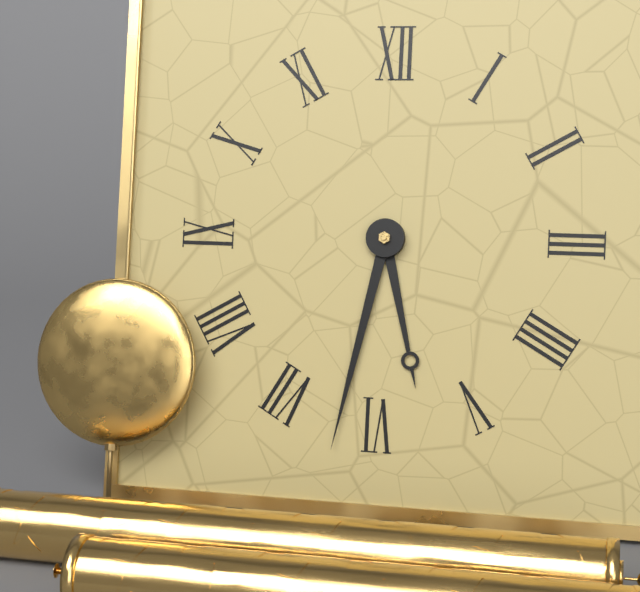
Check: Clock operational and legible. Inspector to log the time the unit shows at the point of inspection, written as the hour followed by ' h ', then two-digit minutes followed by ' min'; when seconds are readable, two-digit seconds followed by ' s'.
5 h 32 min
